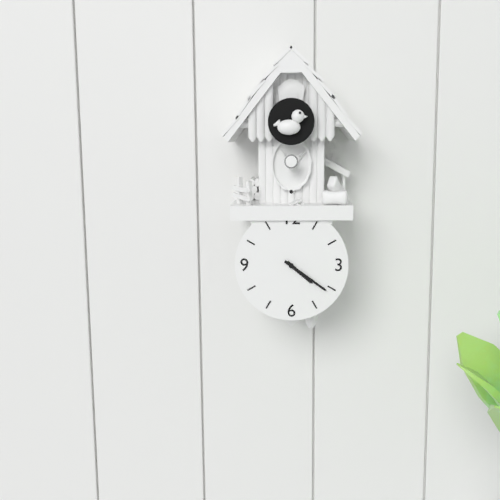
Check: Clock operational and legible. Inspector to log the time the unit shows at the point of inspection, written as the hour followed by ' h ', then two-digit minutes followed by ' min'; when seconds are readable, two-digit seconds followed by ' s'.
4 h 21 min
